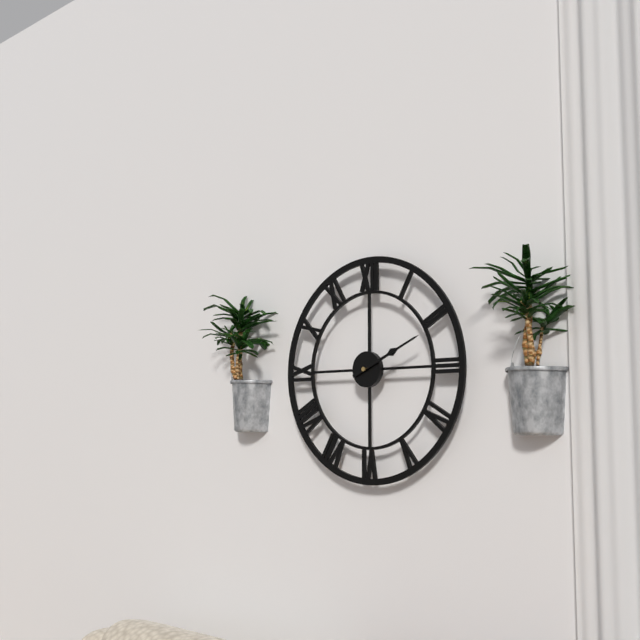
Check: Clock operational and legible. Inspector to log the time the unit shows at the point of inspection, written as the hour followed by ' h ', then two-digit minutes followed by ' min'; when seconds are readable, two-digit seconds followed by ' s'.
2 h 11 min
